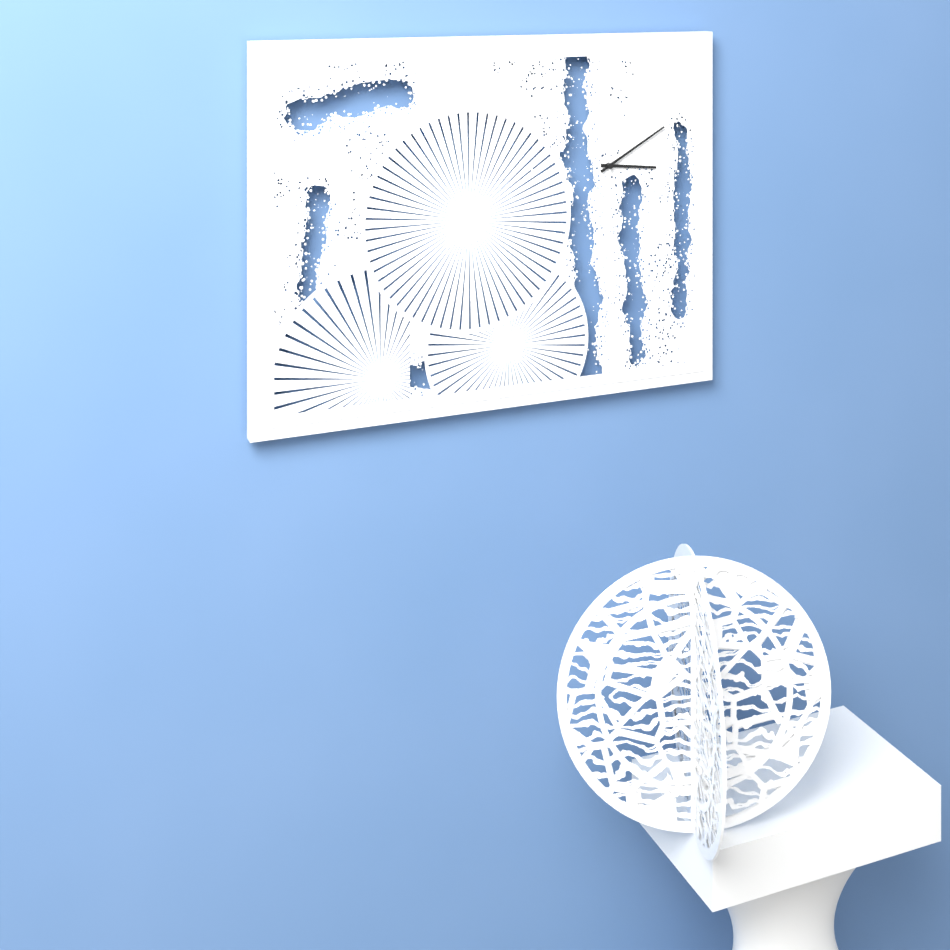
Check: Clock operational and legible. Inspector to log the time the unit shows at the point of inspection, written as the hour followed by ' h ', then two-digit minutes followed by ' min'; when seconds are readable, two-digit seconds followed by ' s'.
3 h 10 min 30 s
